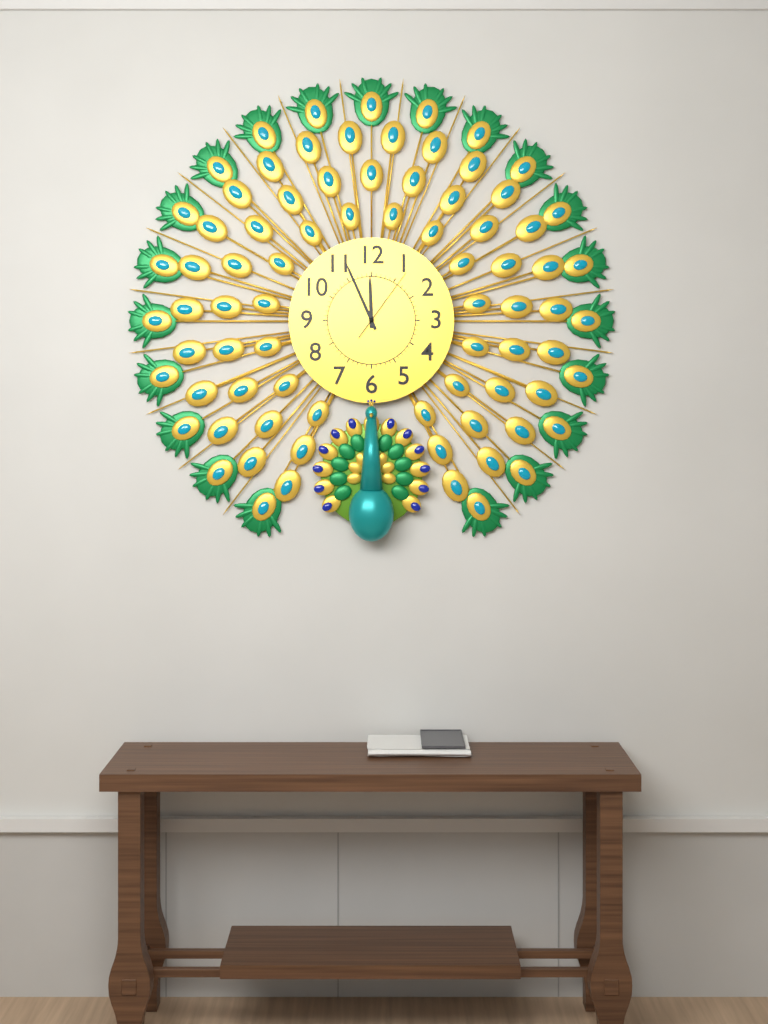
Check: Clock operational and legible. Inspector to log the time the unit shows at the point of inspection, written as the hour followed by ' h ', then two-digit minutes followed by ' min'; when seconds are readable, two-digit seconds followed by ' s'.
11 h 56 min 06 s
